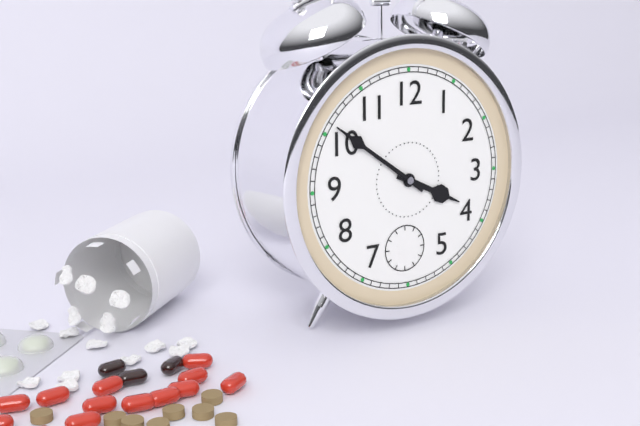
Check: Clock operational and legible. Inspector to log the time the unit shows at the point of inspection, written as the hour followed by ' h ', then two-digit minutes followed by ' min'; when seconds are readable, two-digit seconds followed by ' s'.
3 h 51 min
